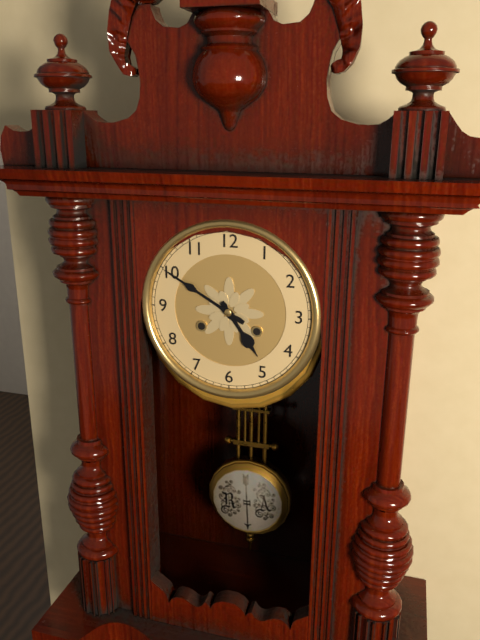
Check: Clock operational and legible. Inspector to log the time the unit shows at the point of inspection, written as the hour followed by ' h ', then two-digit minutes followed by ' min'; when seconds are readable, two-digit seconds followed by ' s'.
4 h 50 min
